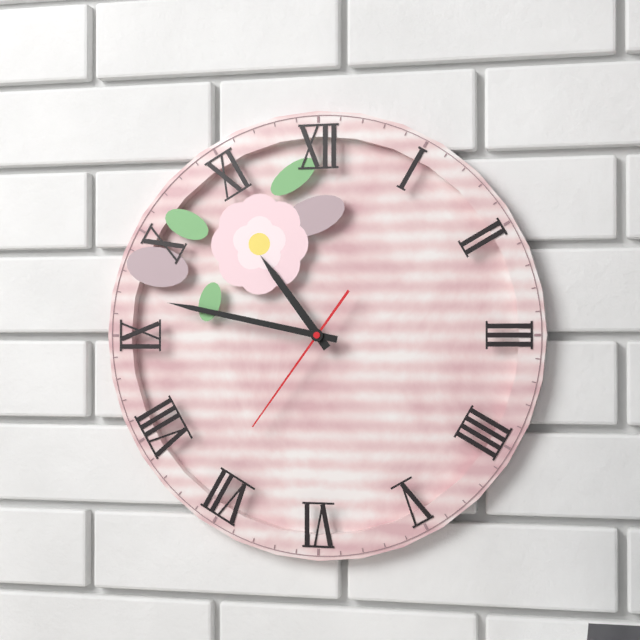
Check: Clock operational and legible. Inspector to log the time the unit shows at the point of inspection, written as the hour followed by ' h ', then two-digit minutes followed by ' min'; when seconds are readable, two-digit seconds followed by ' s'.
10 h 47 min 36 s
